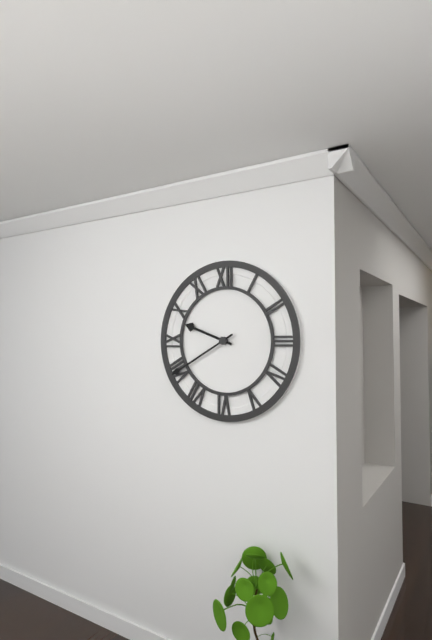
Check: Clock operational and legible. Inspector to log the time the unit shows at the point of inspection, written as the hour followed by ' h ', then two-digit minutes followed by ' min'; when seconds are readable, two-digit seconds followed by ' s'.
9 h 40 min
